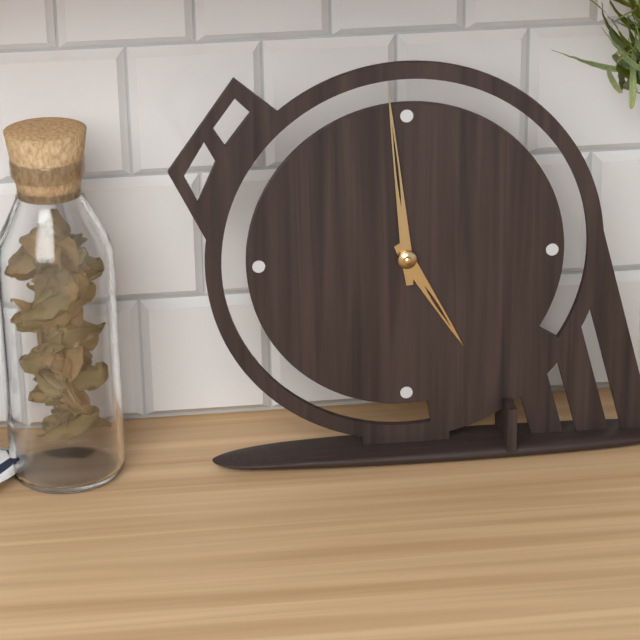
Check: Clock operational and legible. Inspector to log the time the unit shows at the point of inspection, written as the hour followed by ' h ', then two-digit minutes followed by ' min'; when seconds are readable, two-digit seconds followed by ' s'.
4 h 59 min
